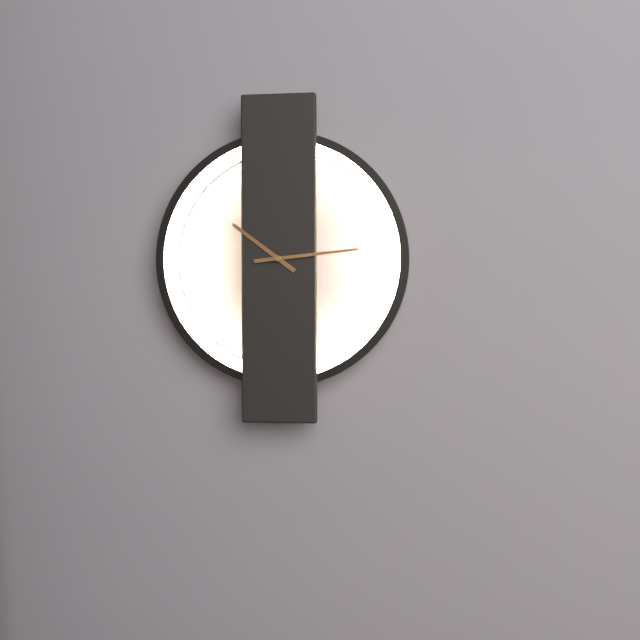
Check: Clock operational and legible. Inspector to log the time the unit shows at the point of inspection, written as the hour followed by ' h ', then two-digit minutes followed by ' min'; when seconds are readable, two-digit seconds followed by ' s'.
10 h 14 min
